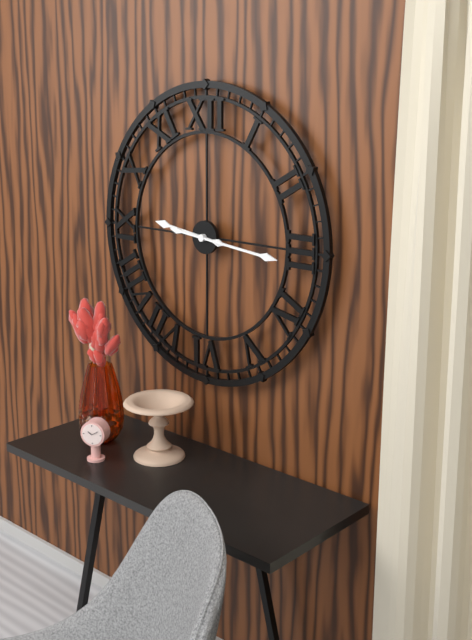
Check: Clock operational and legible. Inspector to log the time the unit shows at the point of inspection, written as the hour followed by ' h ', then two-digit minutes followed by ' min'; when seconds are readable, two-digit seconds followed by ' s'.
9 h 16 min
